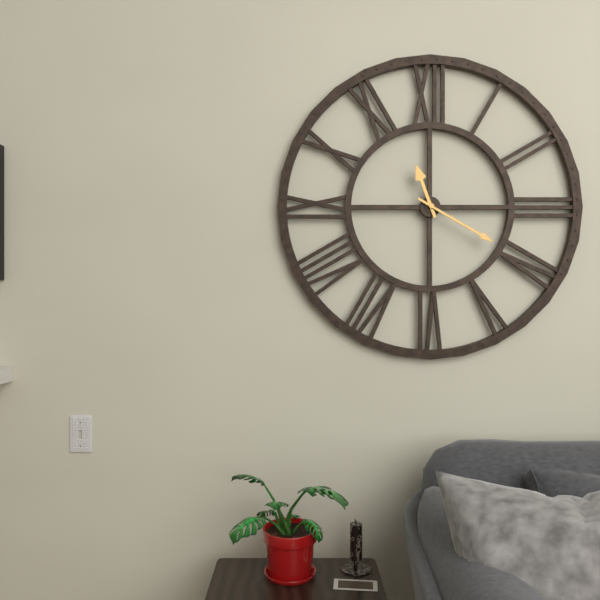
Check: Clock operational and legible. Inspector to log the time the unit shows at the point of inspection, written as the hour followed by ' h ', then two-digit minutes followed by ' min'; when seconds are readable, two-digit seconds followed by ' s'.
11 h 20 min
